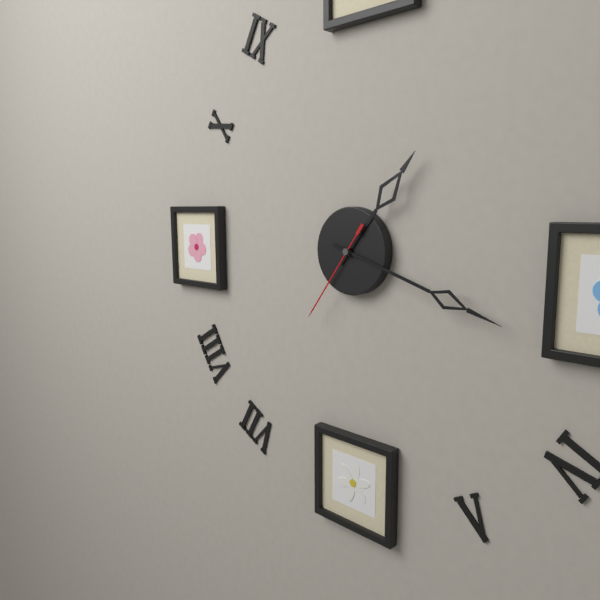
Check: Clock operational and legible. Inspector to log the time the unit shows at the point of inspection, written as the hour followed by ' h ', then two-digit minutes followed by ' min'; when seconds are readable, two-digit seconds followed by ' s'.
1 h 18 min 36 s
